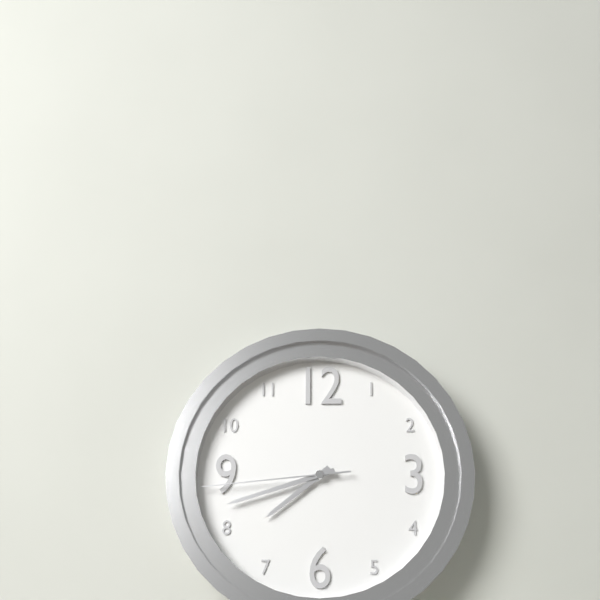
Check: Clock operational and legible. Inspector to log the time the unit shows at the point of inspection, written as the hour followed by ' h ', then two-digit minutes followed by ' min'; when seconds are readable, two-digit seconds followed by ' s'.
7 h 42 min 44 s
